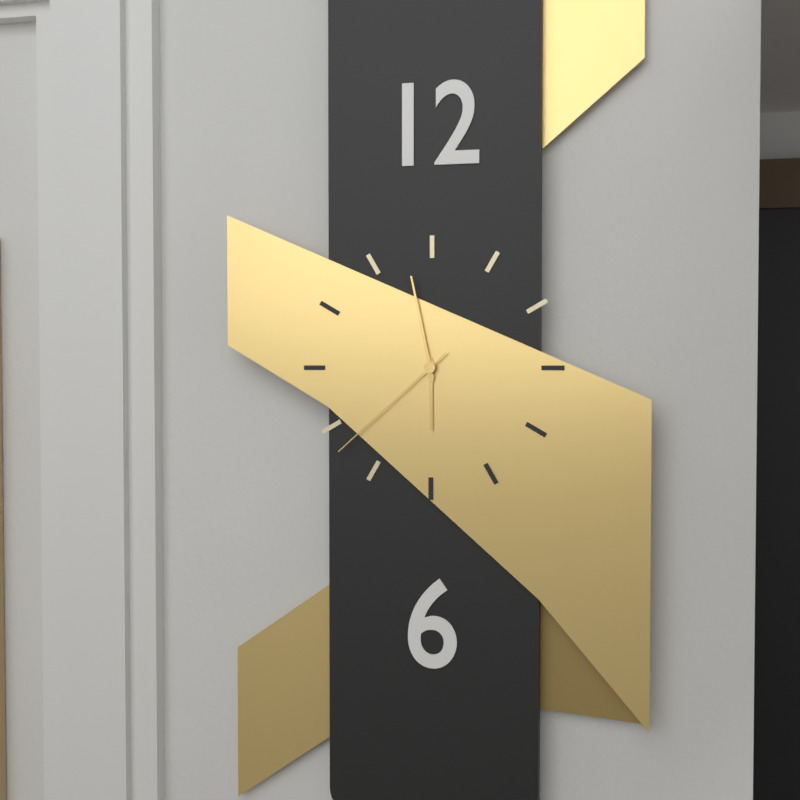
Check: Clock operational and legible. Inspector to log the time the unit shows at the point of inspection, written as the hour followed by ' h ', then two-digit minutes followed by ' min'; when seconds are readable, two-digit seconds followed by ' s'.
5 h 58 min 38 s
